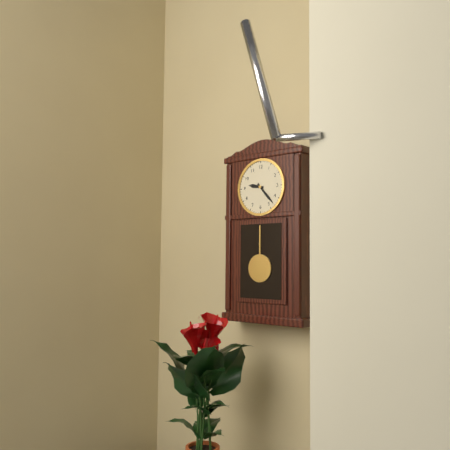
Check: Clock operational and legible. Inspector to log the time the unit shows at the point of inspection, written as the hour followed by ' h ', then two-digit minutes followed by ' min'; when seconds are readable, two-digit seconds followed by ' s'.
9 h 23 min
